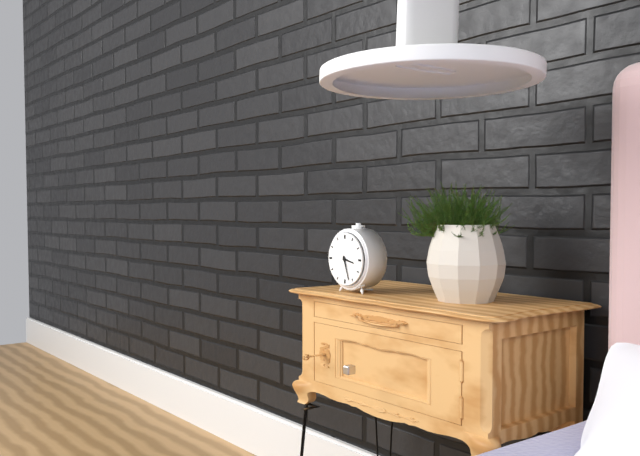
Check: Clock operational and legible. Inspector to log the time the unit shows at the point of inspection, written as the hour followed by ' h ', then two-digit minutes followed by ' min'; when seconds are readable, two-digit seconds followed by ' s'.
3 h 27 min
